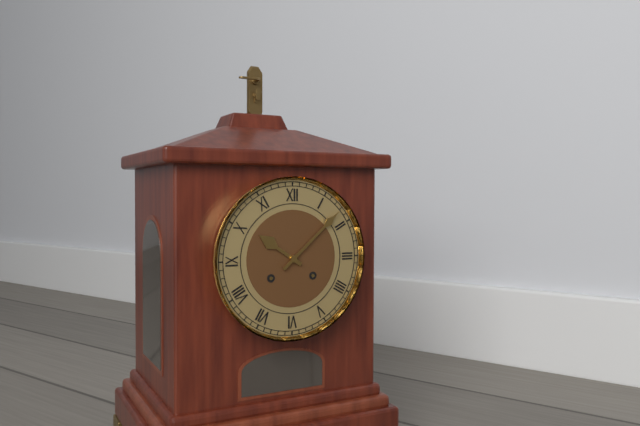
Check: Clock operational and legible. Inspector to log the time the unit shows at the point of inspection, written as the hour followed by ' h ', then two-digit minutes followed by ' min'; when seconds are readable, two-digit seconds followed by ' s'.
10 h 08 min
